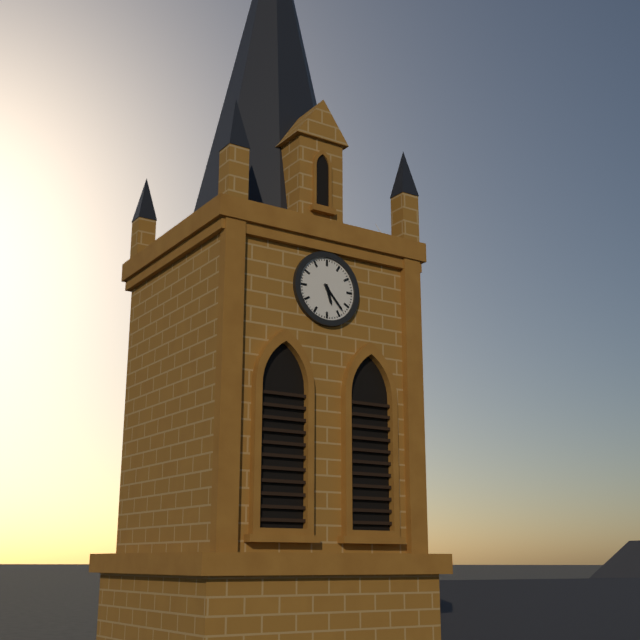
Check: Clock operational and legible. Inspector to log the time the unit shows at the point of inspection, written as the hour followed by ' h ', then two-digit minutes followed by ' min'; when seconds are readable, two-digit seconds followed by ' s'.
5 h 23 min
